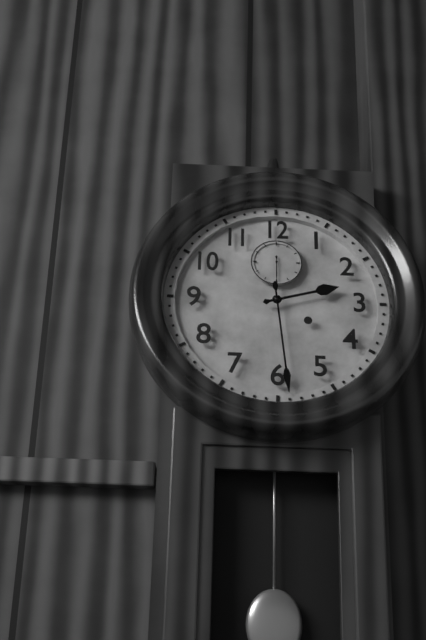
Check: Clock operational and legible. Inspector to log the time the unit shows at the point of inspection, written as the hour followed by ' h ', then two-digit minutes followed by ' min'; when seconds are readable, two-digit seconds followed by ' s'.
2 h 29 min
